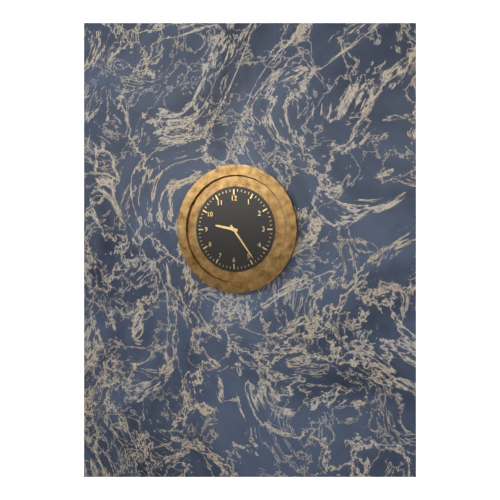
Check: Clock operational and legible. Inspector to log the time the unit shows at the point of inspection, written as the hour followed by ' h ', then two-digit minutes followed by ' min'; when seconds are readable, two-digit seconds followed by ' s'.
9 h 24 min
